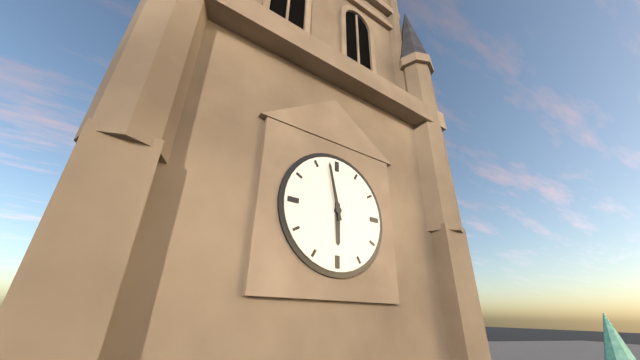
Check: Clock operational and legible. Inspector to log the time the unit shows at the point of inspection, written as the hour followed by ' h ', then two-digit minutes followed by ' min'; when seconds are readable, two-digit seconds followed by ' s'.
5 h 58 min
